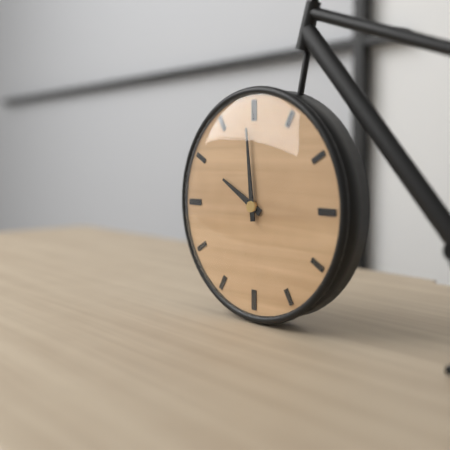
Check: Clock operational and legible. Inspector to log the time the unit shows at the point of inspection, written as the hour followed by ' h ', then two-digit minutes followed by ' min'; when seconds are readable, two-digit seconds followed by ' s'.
9 h 59 min
